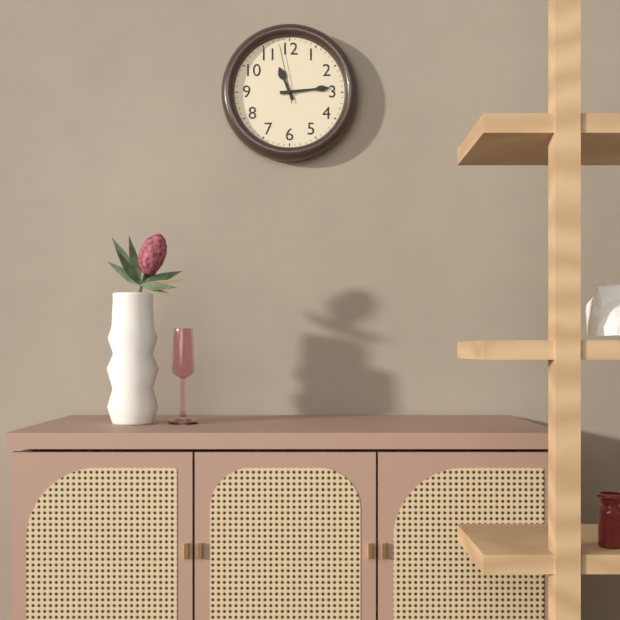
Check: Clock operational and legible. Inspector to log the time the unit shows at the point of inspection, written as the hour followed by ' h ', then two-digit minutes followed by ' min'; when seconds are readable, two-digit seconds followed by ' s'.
11 h 14 min 58 s
